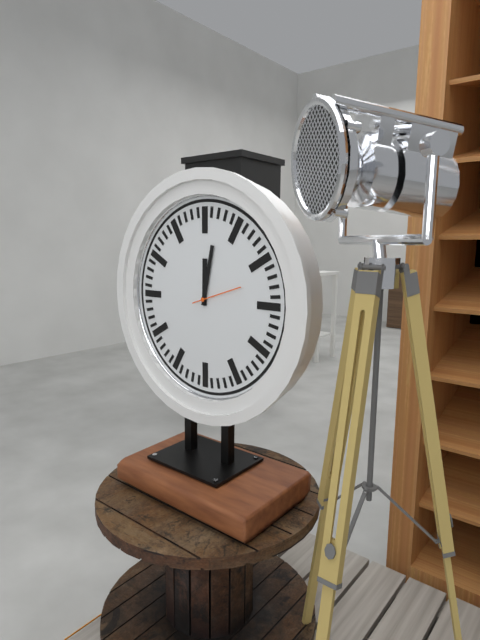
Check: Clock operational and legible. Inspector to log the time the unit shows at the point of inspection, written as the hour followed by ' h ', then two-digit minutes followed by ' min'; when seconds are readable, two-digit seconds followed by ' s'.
12 h 02 min
